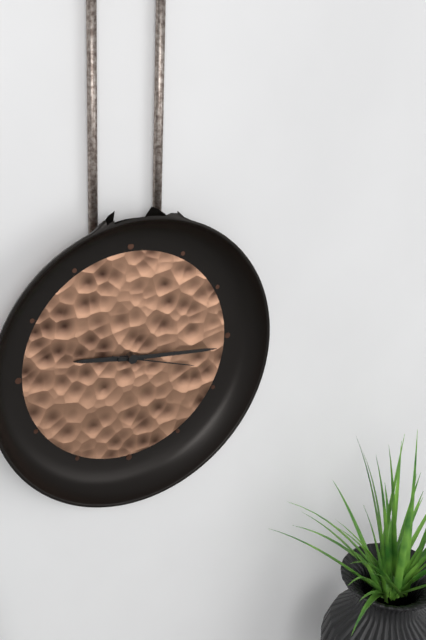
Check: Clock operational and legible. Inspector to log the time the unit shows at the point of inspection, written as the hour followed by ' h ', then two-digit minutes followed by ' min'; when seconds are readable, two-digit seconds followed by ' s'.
9 h 16 min 18 s
